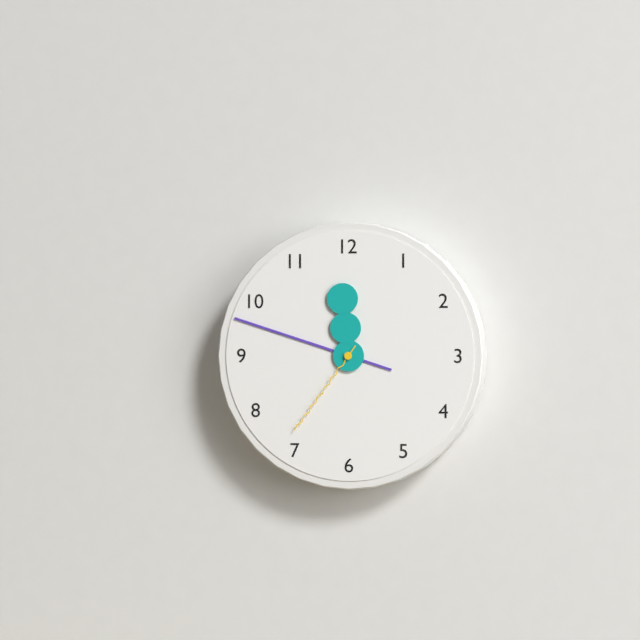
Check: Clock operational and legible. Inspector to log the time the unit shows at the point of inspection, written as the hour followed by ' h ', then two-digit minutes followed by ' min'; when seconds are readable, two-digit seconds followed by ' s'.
11 h 48 min 36 s
